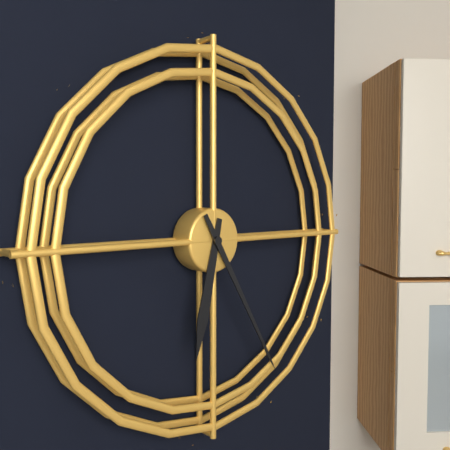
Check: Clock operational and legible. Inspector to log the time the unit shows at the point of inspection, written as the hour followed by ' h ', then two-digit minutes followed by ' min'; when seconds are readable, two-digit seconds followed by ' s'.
6 h 25 min
